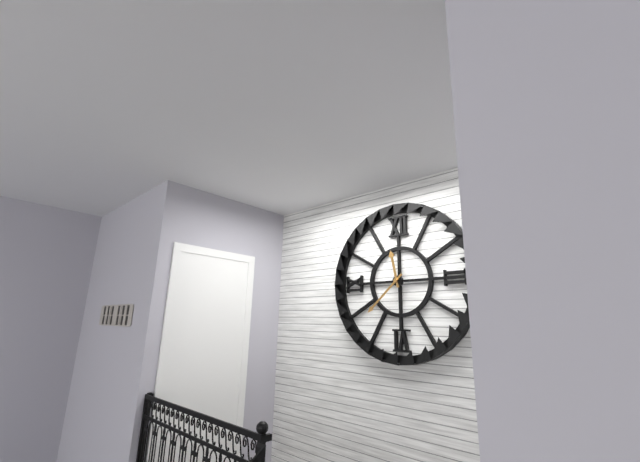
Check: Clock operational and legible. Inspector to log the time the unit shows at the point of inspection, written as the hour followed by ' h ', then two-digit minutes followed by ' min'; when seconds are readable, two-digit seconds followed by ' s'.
11 h 38 min
